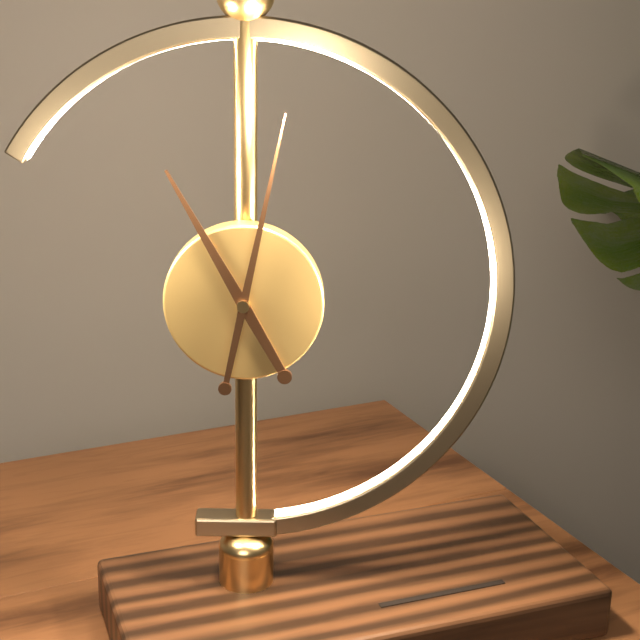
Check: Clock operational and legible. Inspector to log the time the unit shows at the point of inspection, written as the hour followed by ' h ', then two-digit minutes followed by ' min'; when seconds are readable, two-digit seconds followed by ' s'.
11 h 02 min
